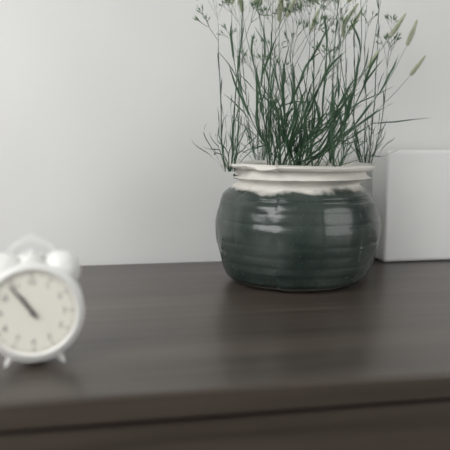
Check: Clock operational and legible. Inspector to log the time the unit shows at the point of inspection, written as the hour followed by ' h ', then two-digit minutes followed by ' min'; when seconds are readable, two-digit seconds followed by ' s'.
10 h 54 min
